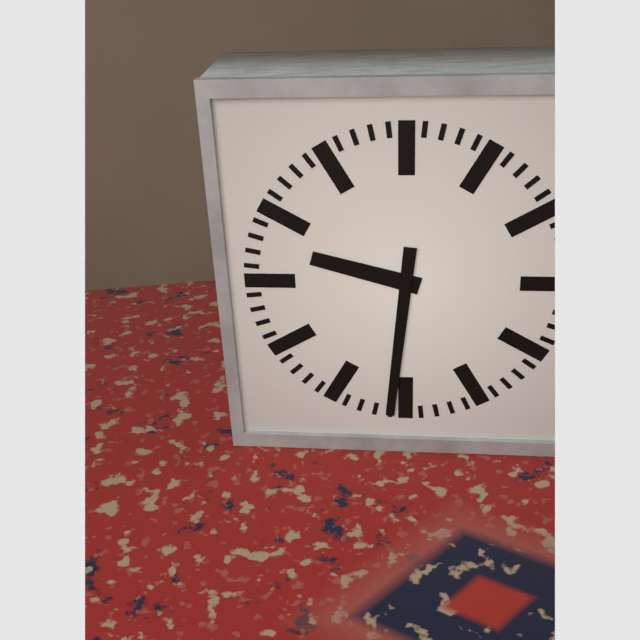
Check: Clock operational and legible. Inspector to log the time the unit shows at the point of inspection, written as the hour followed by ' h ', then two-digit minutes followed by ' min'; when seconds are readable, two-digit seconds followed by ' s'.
9 h 31 min
